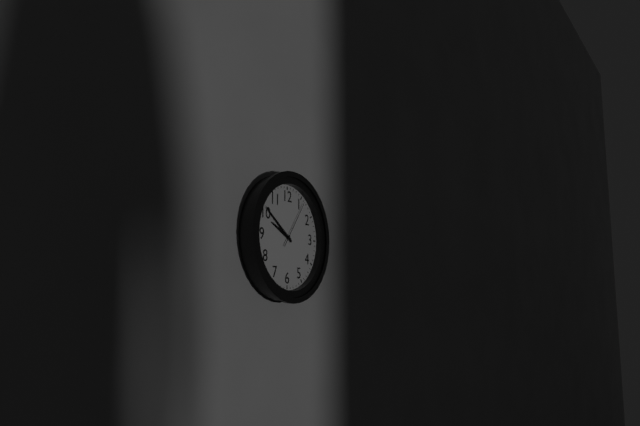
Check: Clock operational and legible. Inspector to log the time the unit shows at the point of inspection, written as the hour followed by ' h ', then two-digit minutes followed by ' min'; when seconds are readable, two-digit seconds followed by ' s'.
9 h 51 min
